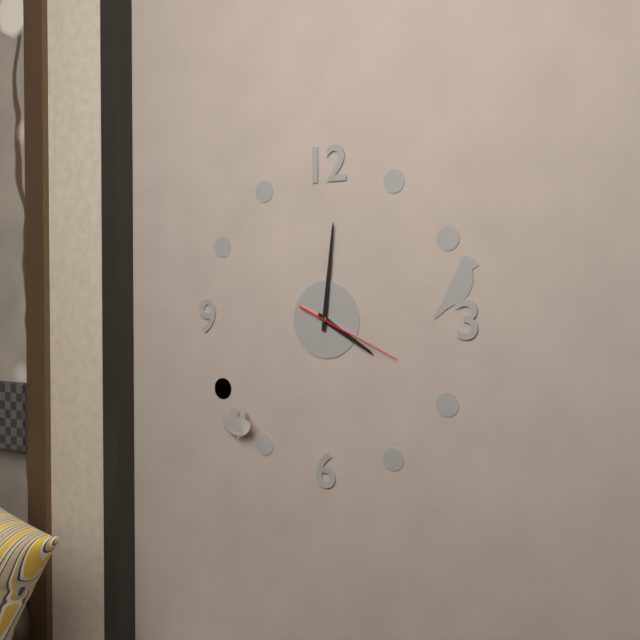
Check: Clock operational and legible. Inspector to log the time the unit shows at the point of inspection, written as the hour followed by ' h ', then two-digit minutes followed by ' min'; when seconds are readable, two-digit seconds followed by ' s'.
4 h 01 min 19 s
